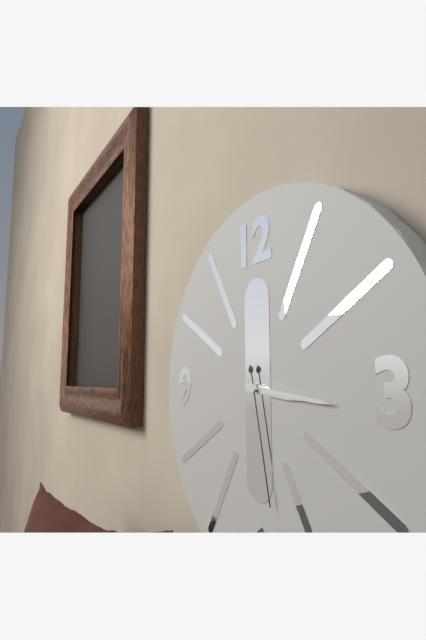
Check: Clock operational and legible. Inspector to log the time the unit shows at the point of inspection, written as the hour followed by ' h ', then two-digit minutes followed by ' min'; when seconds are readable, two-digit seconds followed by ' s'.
3 h 16 min 28 s
